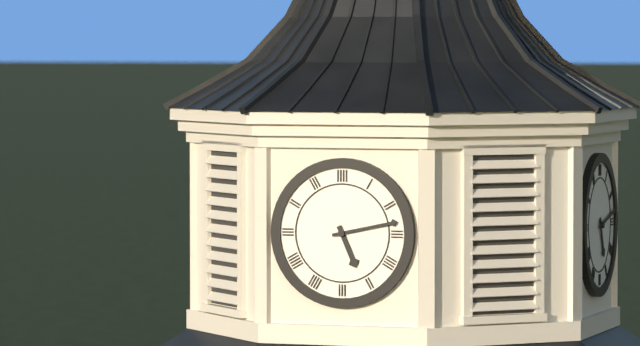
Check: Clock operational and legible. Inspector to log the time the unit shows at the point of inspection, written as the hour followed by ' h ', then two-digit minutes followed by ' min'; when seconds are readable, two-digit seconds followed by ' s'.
5 h 13 min
